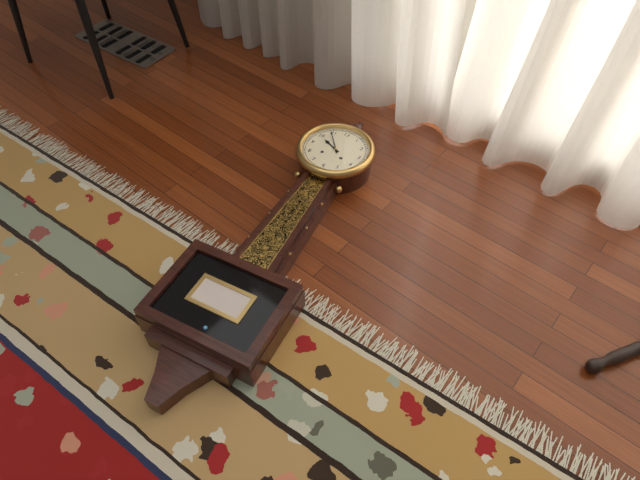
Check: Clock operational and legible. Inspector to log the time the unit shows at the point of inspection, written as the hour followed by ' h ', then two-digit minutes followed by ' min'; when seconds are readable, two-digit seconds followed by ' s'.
9 h 54 min
